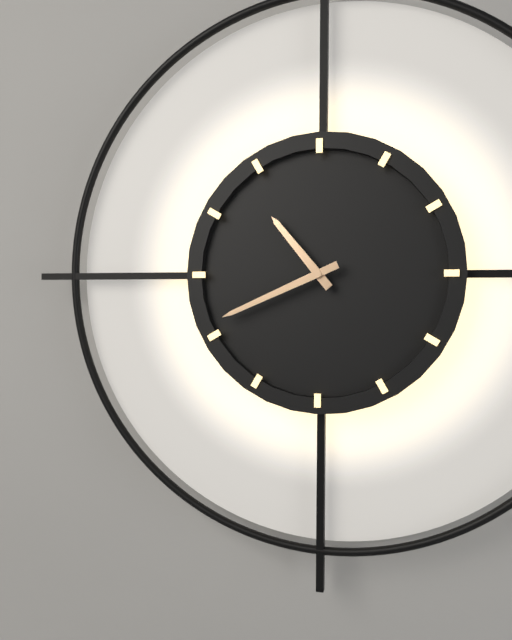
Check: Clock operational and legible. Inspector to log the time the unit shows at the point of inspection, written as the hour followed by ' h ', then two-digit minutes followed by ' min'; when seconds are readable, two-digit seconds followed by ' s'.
10 h 41 min
